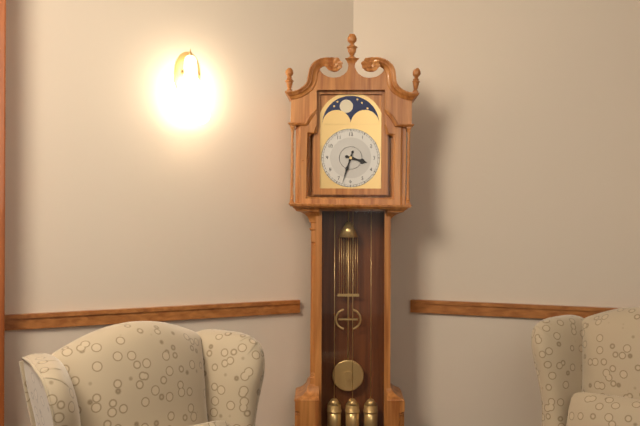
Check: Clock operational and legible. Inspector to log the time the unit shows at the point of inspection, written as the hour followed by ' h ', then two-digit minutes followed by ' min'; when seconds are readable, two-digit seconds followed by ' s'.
3 h 33 min
